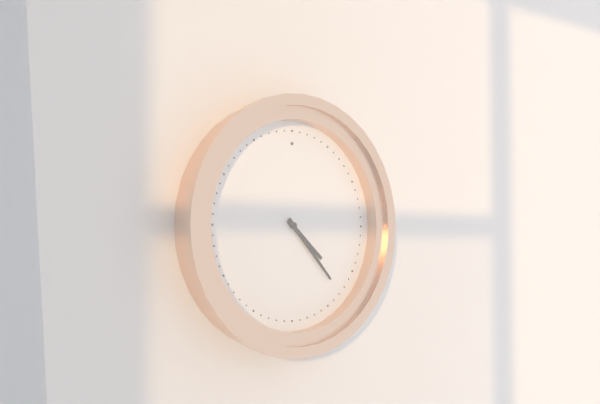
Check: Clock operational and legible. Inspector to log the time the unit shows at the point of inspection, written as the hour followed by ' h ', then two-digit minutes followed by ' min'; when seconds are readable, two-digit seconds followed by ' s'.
4 h 23 min
